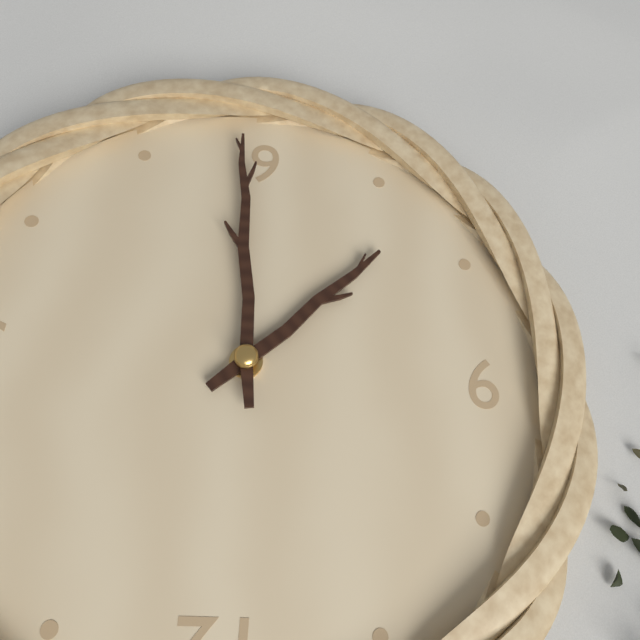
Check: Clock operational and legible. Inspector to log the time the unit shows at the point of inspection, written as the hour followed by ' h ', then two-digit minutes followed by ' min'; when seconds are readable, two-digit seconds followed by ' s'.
7 h 29 min
